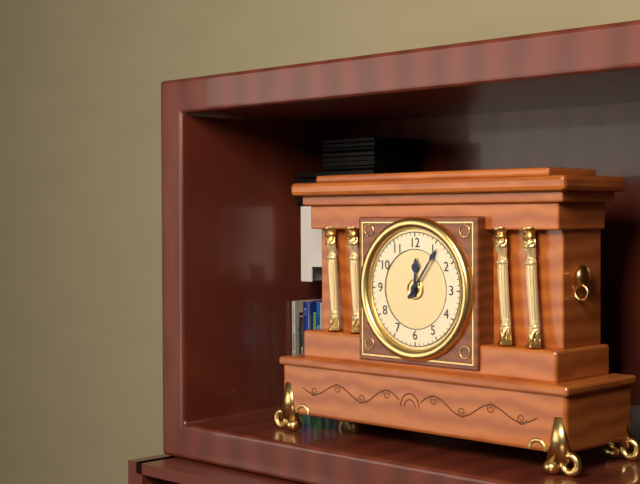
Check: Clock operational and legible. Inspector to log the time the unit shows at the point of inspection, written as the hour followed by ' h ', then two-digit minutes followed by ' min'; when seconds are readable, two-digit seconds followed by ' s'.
12 h 06 min
